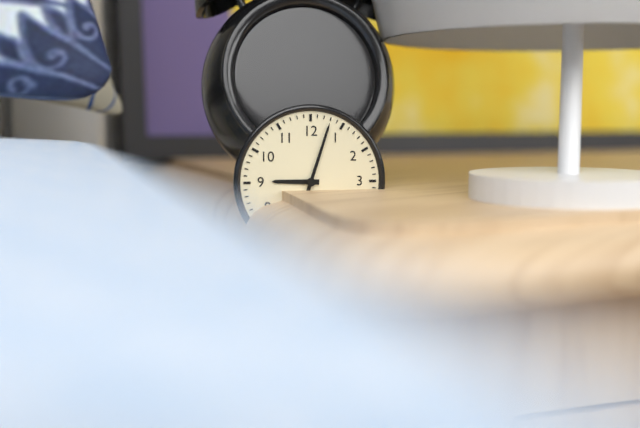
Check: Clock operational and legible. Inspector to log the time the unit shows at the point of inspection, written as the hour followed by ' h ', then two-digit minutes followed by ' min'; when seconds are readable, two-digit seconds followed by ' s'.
9 h 03 min
